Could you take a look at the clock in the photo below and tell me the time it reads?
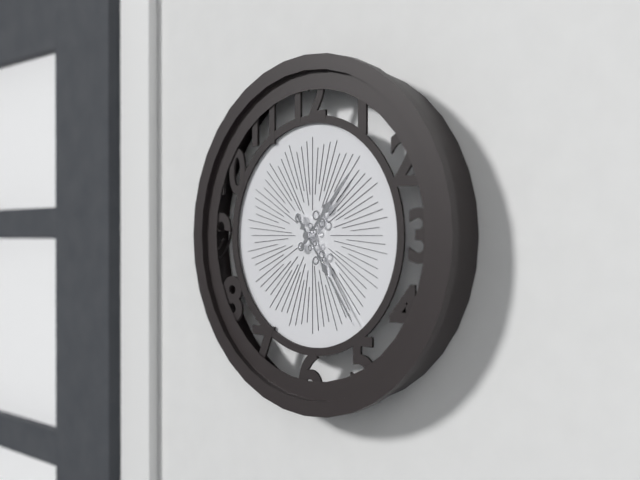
1:24
